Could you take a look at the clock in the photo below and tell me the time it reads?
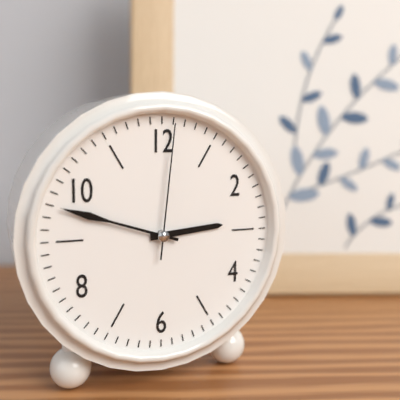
2:48:01
